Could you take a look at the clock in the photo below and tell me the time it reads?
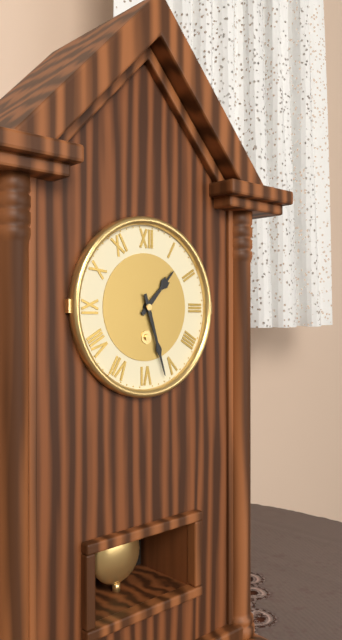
1:27
